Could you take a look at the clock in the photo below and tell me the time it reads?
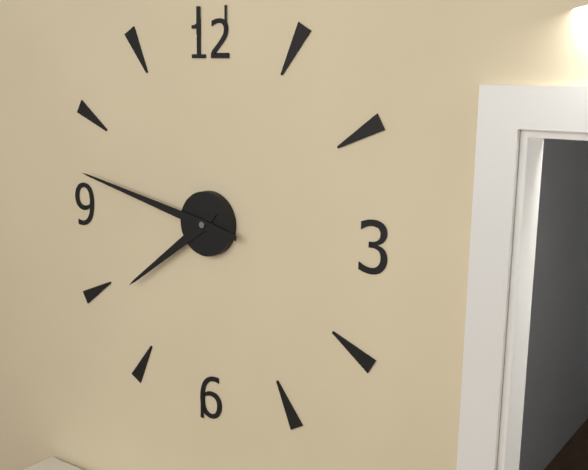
7:47
